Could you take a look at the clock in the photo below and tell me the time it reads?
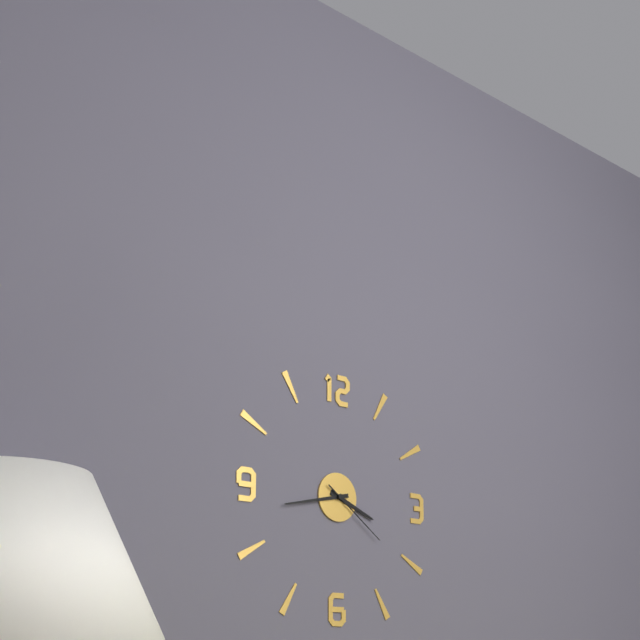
3:43:21
